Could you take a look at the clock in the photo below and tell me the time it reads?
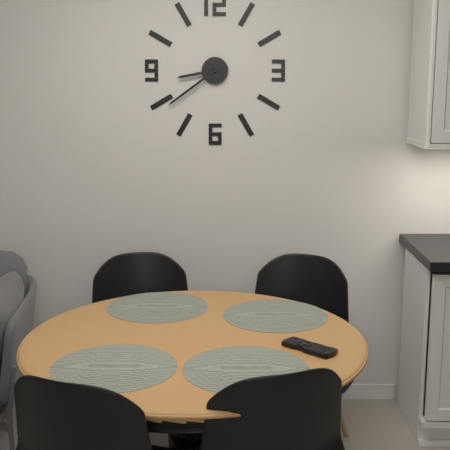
8:39
